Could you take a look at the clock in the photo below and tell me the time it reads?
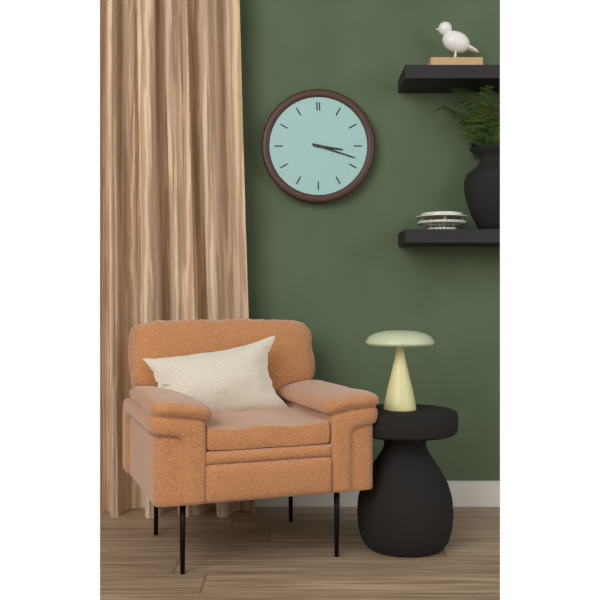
3:18
